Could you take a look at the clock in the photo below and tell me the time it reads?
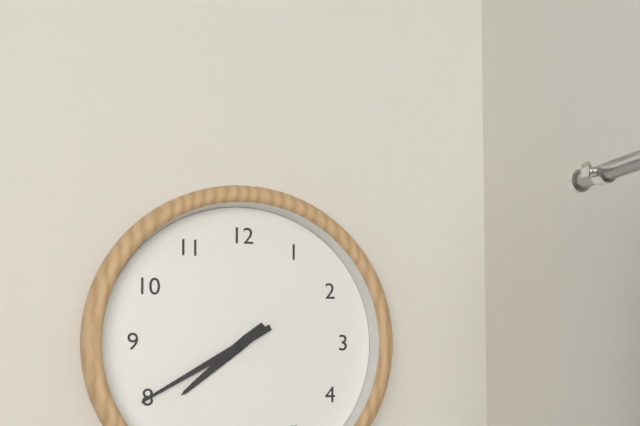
7:40
